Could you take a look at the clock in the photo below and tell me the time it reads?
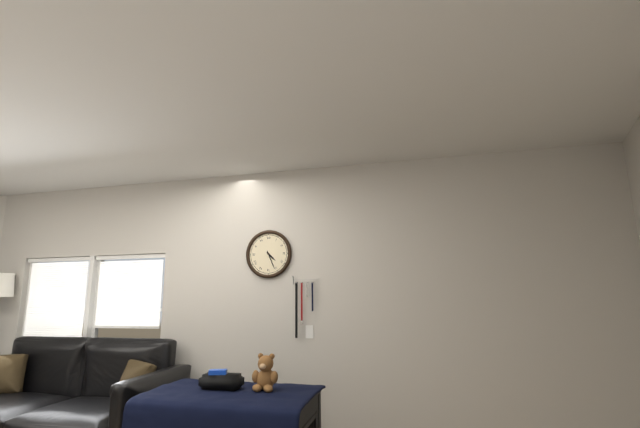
4:26
